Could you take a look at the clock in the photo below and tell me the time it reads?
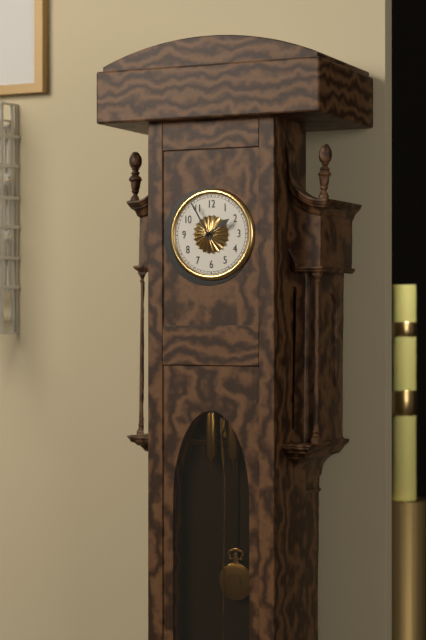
1:55
